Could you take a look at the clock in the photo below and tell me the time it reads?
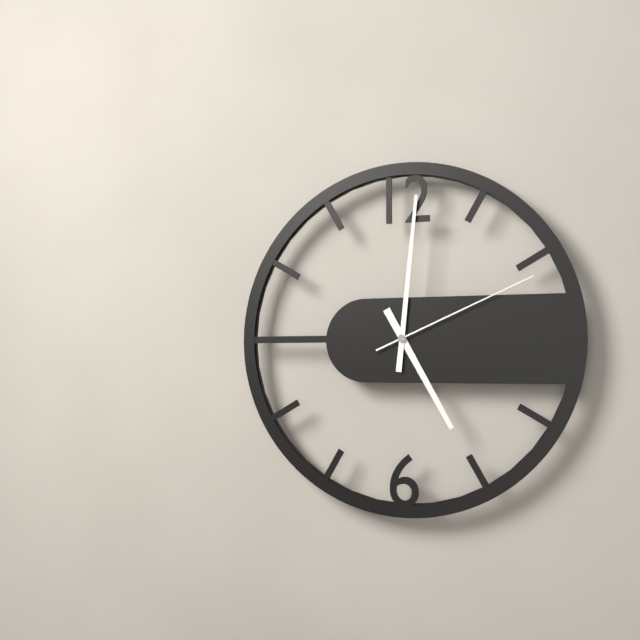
5:01:11
